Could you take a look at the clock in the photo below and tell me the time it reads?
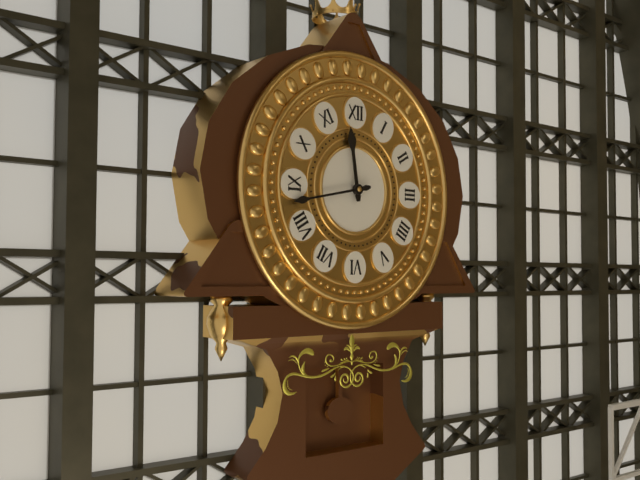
11:43
